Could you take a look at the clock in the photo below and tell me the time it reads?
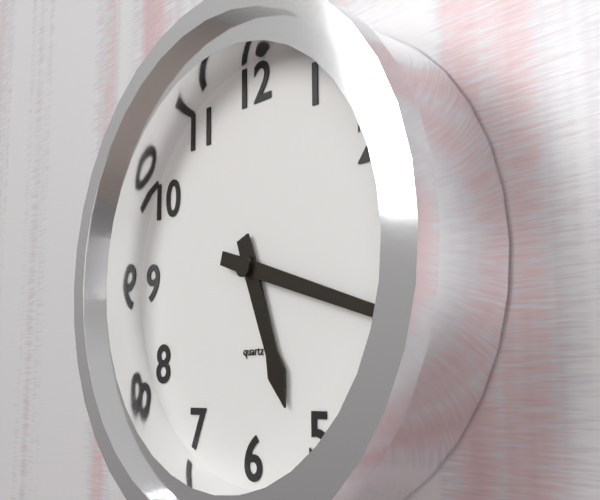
5:18
